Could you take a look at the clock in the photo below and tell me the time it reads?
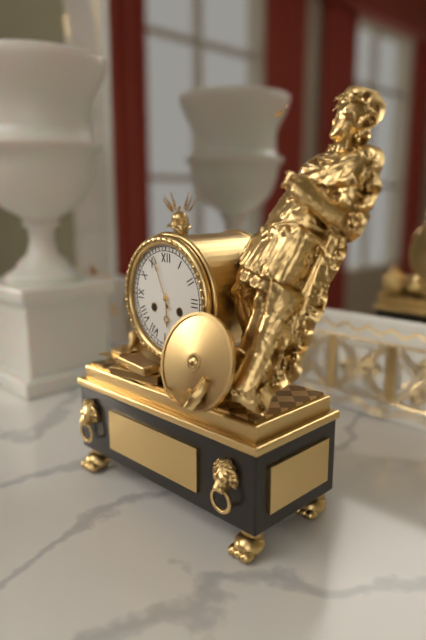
5:56
